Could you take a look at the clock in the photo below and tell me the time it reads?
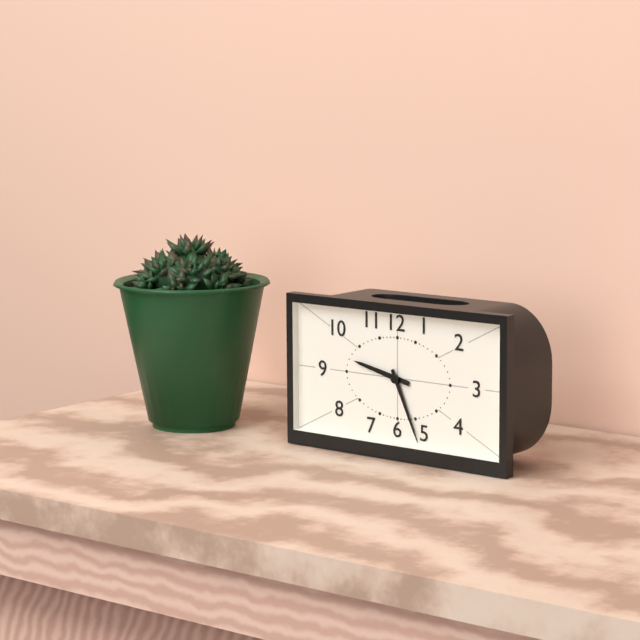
9:26
